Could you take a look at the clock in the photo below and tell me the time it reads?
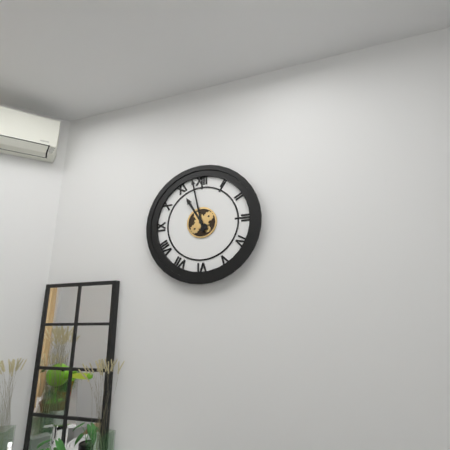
10:58
